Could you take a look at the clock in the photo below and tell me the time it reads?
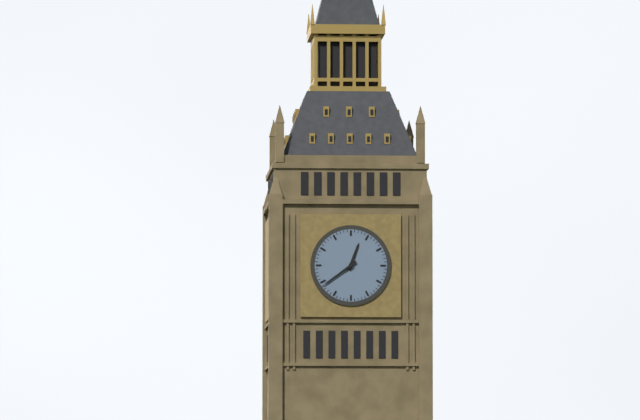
12:39
